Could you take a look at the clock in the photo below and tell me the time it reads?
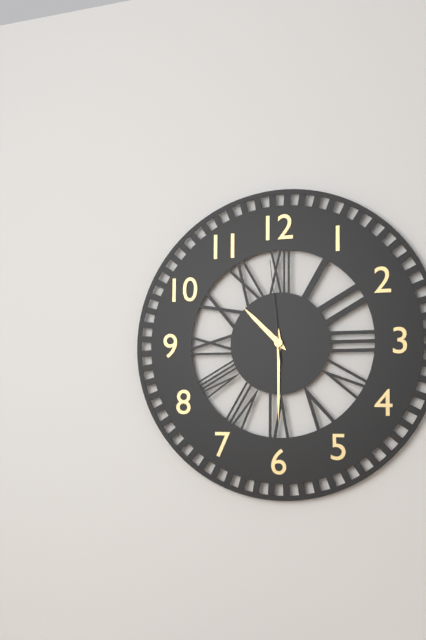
10:30:59
